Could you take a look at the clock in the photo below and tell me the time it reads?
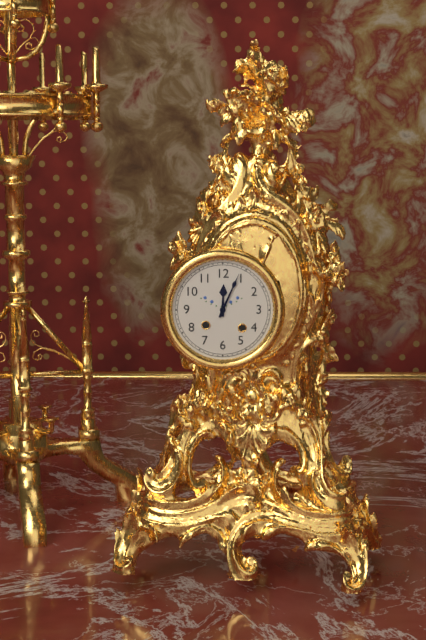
12:04
